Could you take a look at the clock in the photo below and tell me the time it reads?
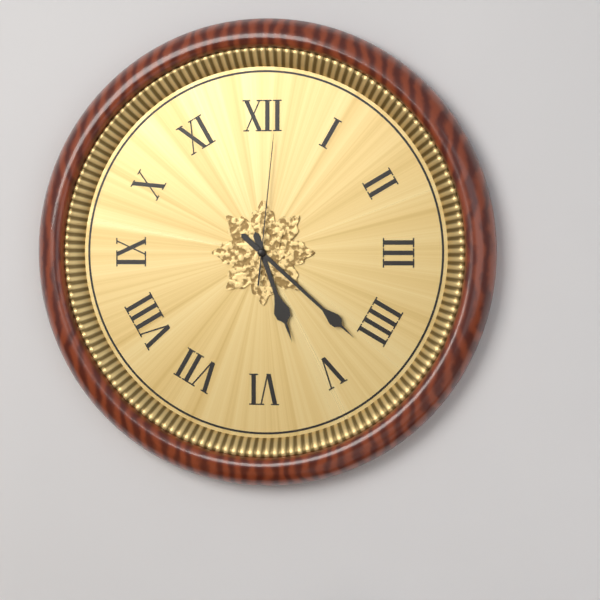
5:22:01
